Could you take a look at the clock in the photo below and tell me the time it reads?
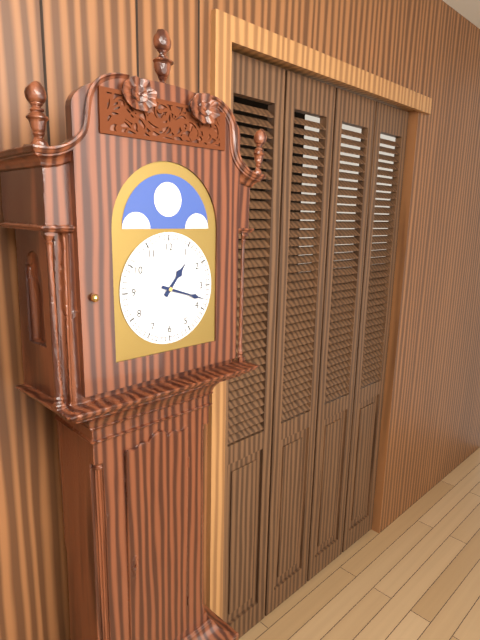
1:18
